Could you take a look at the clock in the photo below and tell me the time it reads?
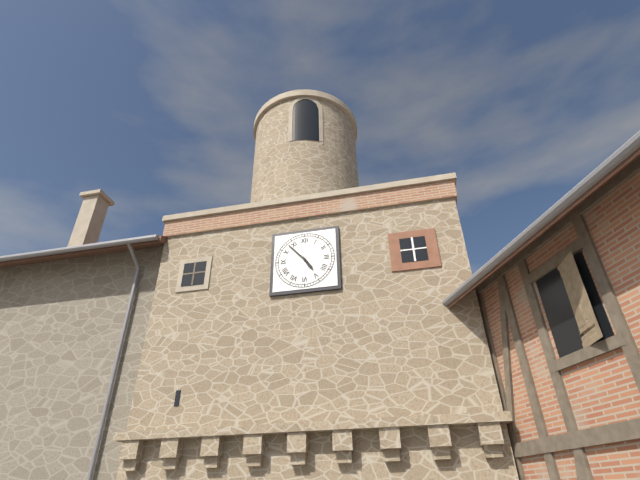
4:53
